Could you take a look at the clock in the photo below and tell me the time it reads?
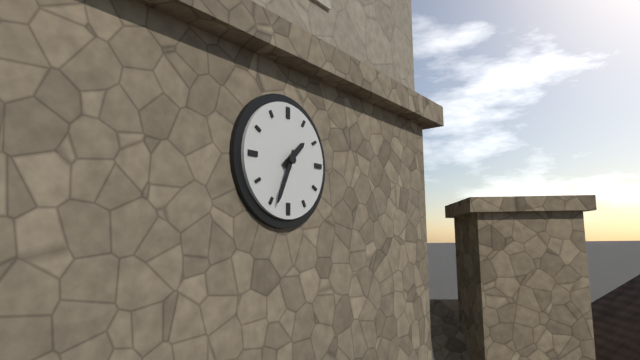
1:34
